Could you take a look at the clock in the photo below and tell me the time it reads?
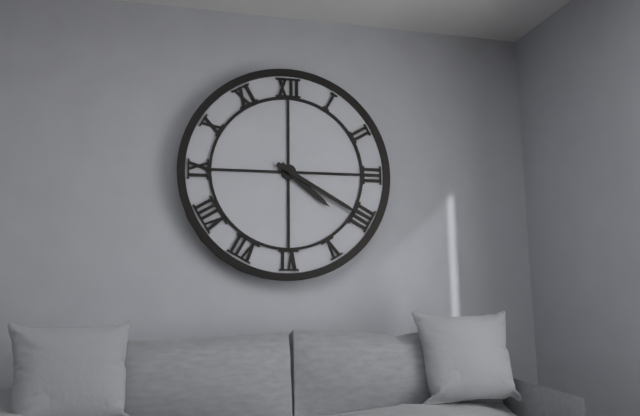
4:20
